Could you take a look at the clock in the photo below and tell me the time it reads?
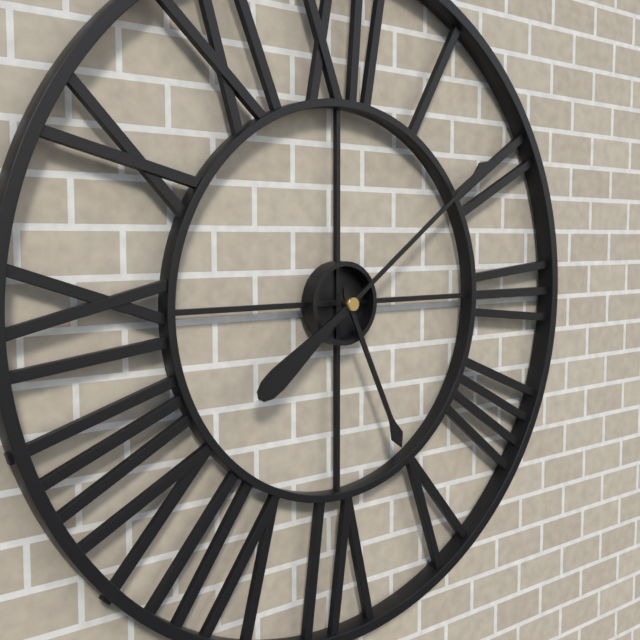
5:09
